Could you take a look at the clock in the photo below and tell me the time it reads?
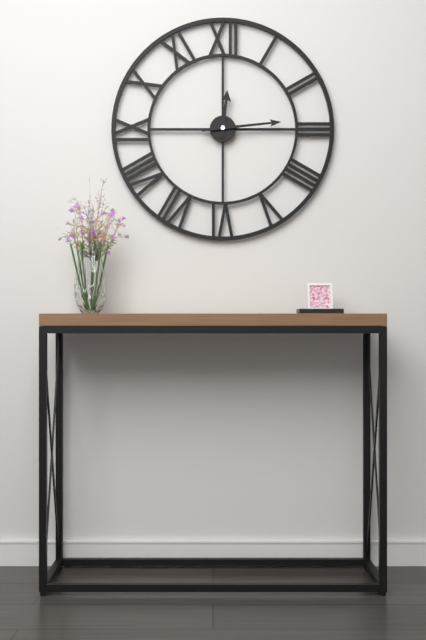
12:14
